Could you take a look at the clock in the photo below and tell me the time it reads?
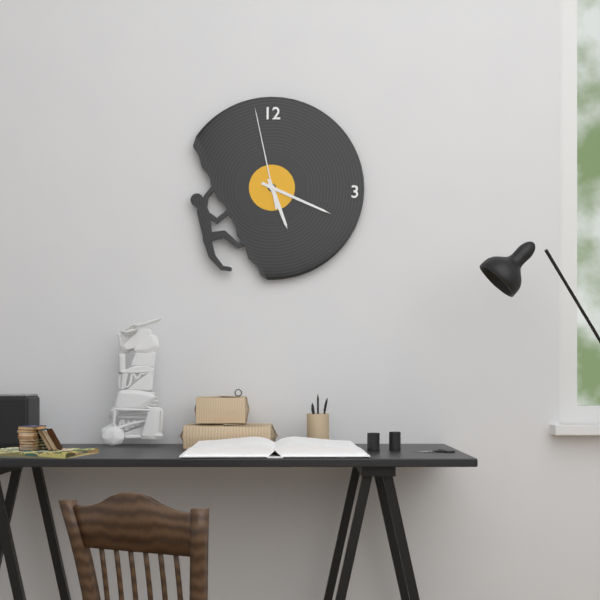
5:19:58
